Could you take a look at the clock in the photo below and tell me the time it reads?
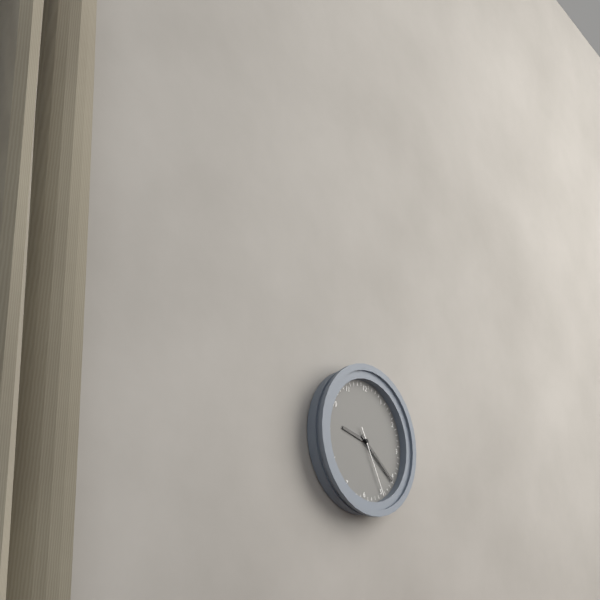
9:21:25
